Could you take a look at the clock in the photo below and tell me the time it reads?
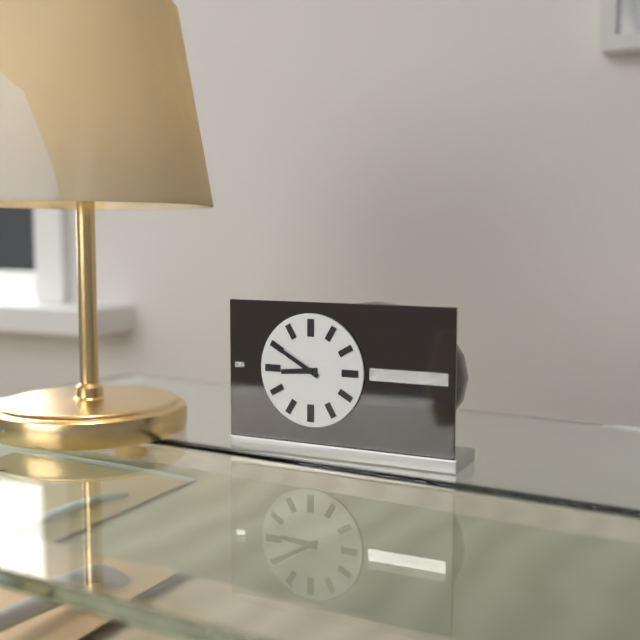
8:50
